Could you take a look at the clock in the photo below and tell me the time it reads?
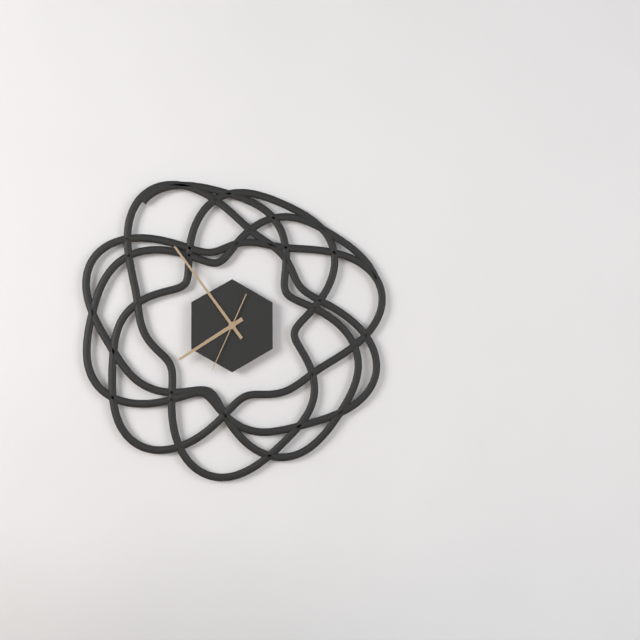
7:54:34
